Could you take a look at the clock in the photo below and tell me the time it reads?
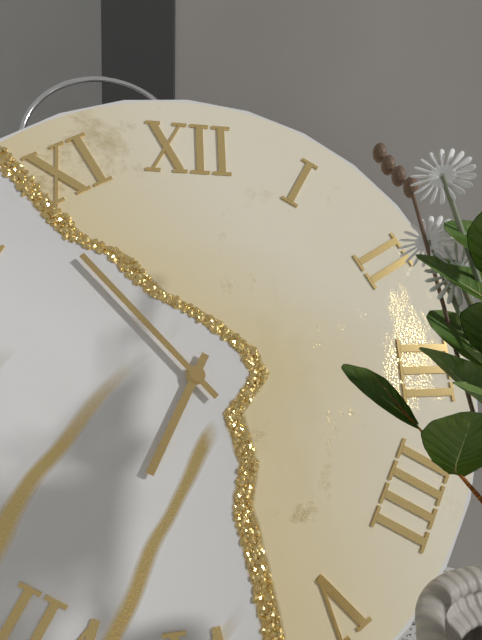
6:53
